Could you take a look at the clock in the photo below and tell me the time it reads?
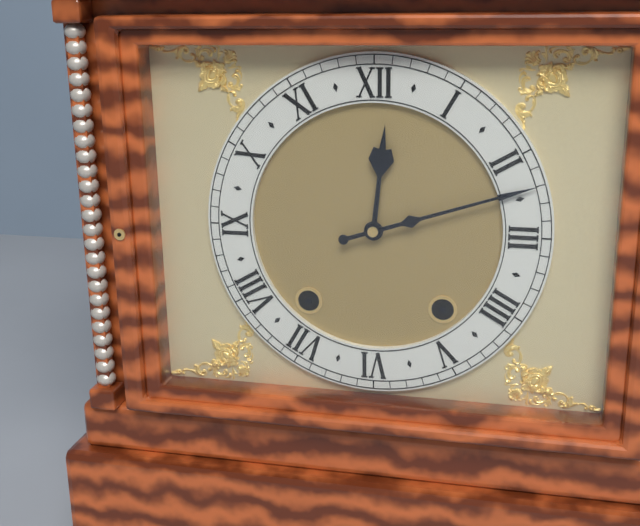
12:12
